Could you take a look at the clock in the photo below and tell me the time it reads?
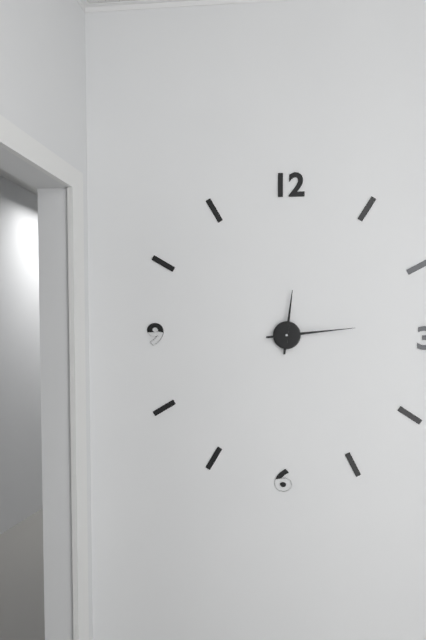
12:14
